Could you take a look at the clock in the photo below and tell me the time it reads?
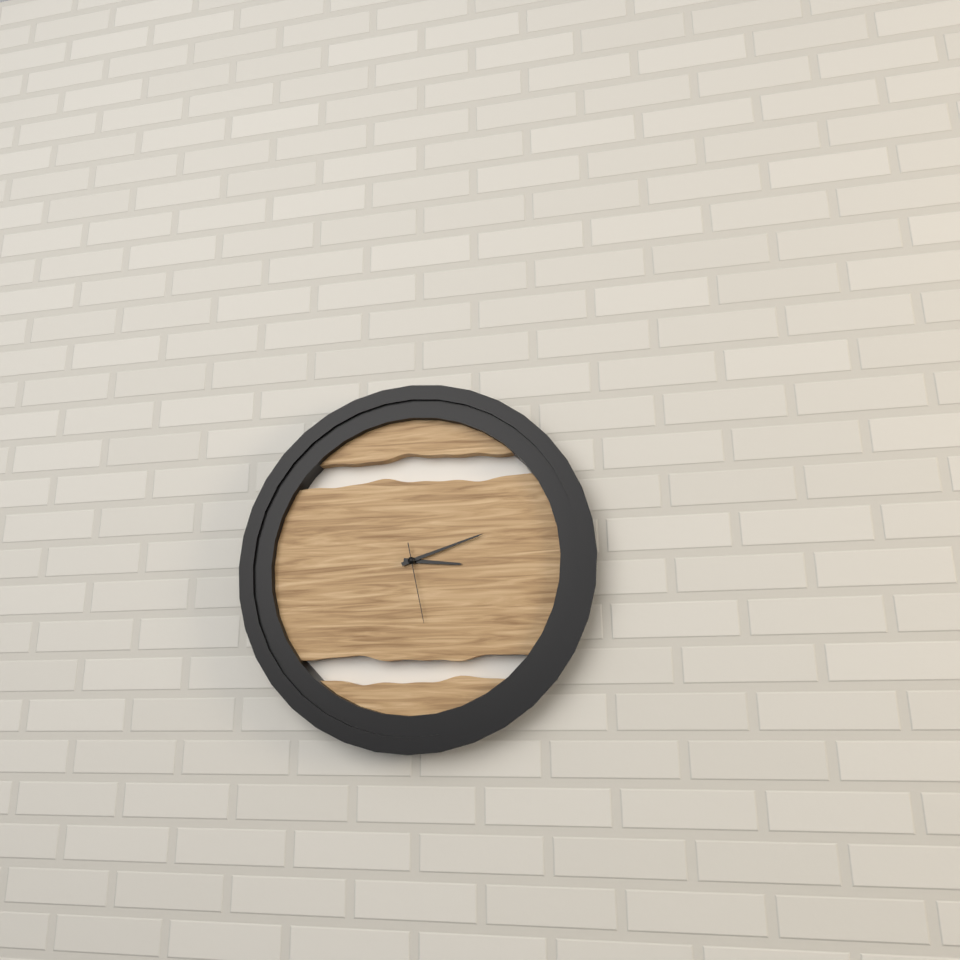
3:12:28
